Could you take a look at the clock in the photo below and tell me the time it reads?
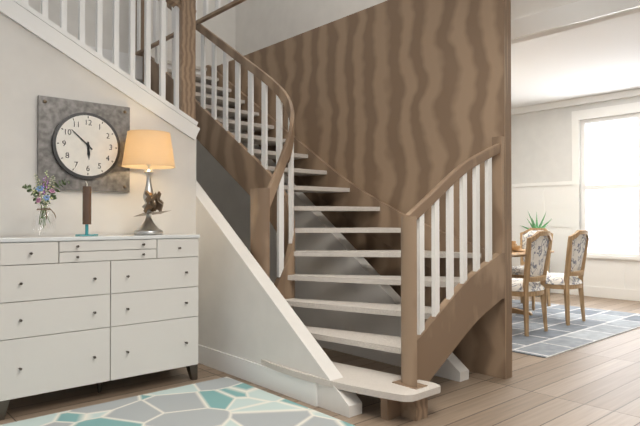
5:52
